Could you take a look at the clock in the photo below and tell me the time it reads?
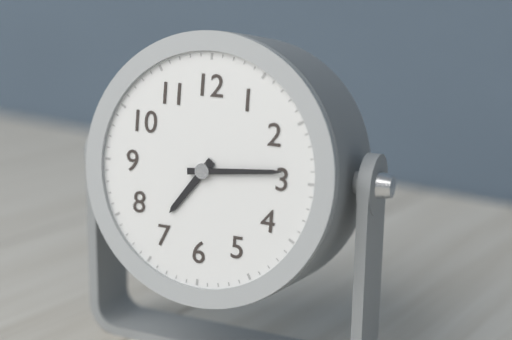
7:14
